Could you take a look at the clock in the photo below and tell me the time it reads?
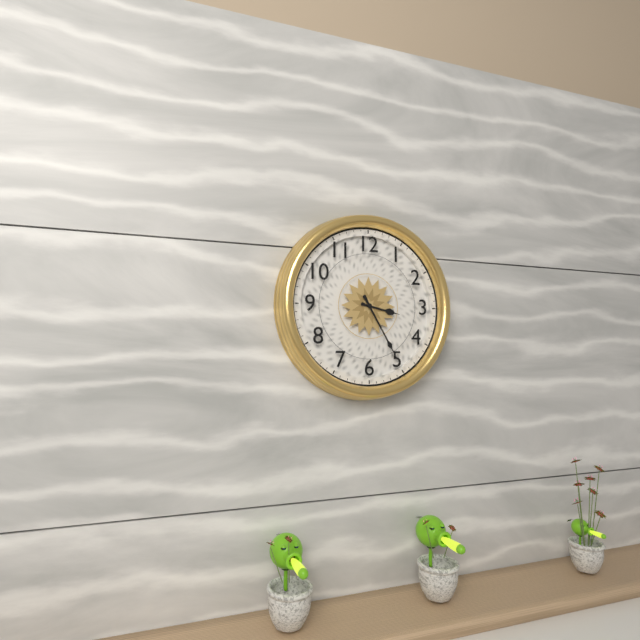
3:25
